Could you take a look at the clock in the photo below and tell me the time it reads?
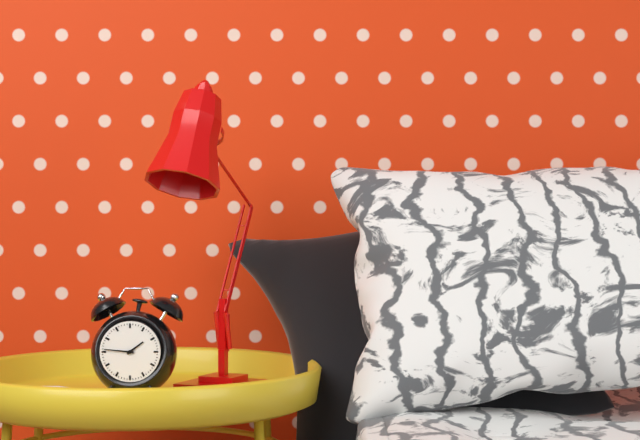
1:46
